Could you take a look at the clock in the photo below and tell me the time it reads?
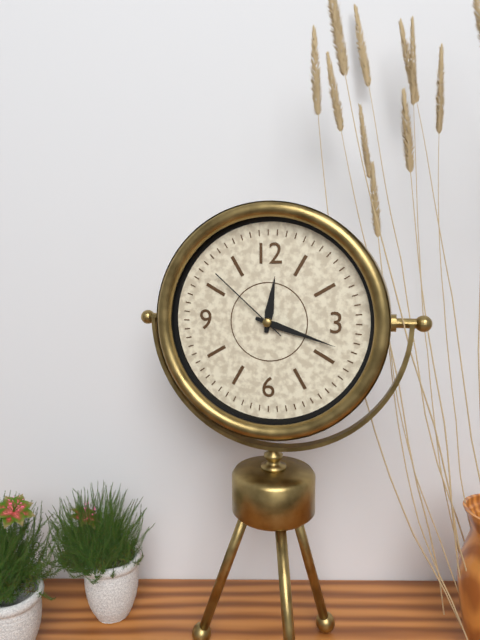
12:18:52
